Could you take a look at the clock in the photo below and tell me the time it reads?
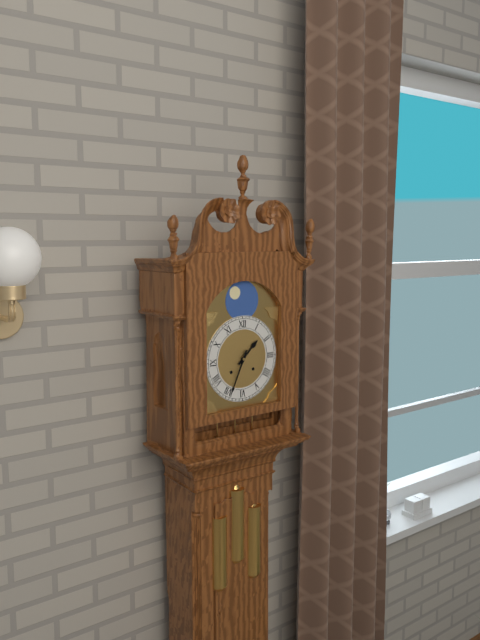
1:34
